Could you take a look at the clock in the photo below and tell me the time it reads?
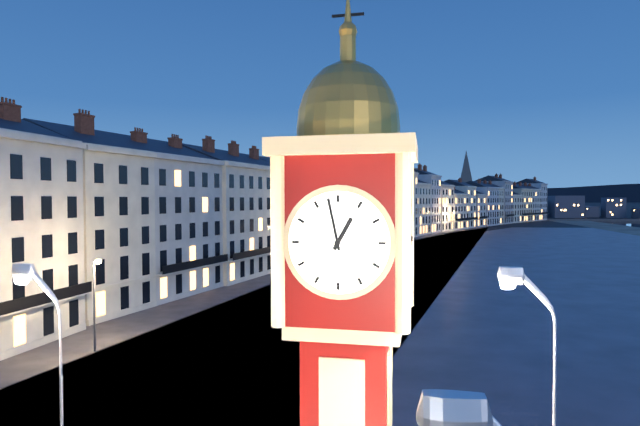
12:58
